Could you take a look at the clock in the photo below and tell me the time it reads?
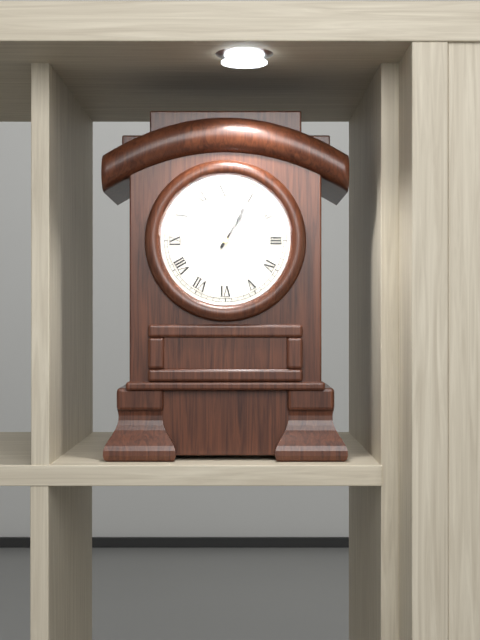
1:05
